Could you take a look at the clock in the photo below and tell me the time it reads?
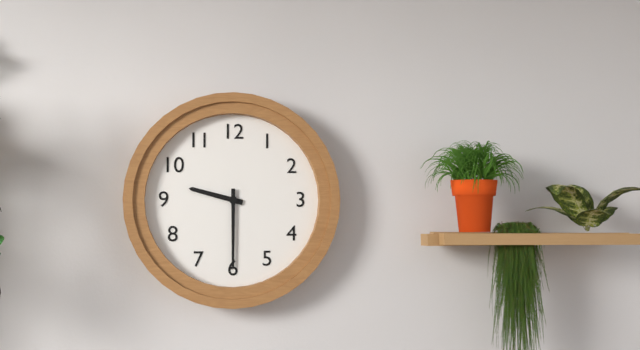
9:30
